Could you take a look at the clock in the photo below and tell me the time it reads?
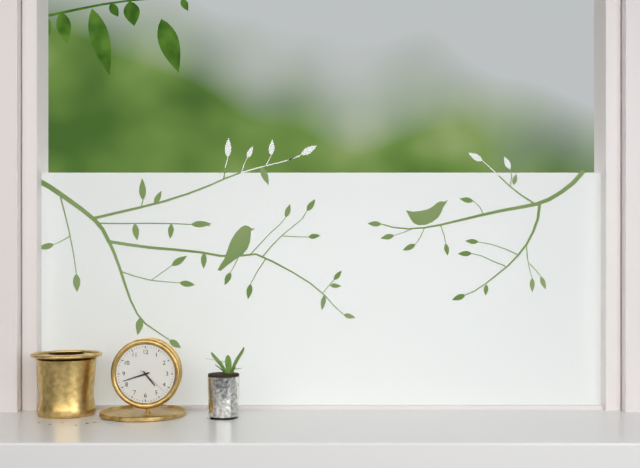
4:42
